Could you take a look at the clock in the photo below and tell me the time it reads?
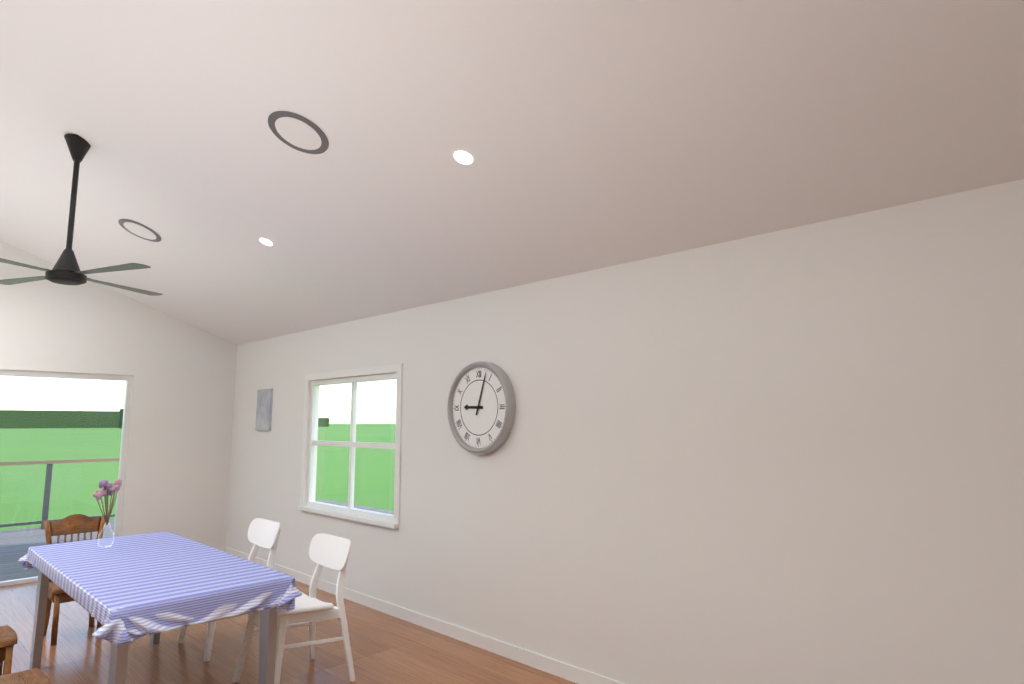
9:03
